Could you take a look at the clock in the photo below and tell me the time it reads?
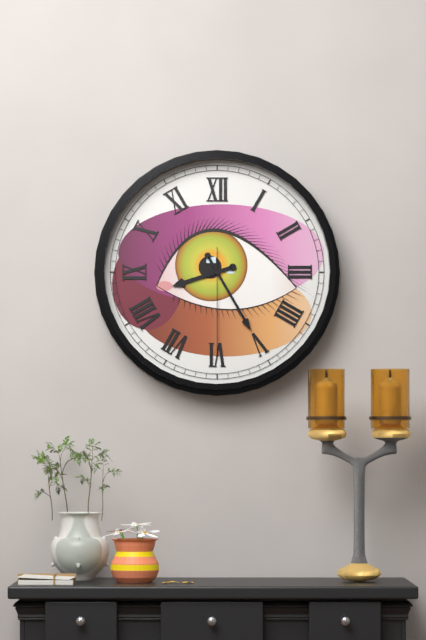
8:25:30
